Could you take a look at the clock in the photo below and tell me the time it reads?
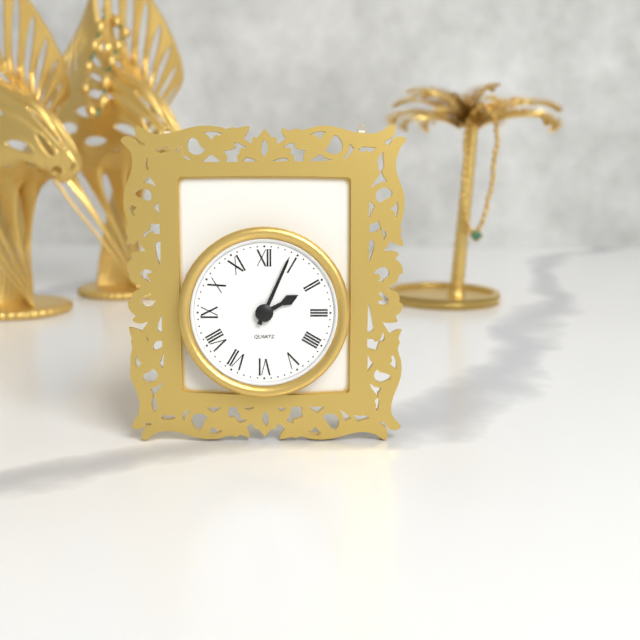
2:04
